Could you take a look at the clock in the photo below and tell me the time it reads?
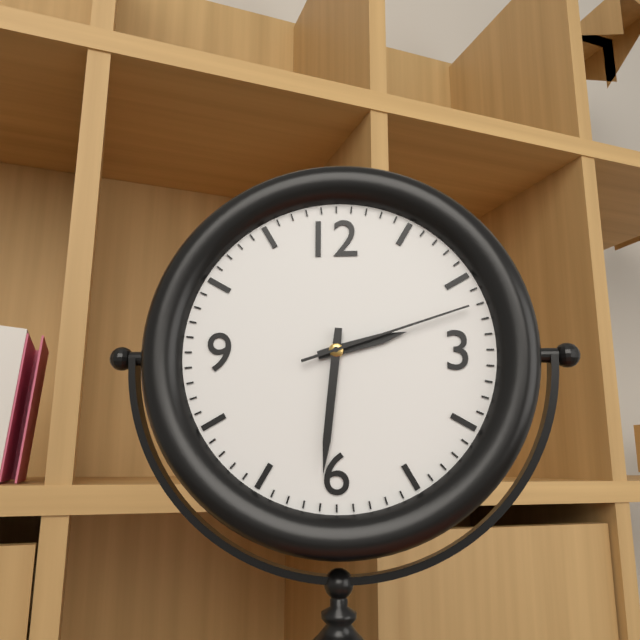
2:31:12
